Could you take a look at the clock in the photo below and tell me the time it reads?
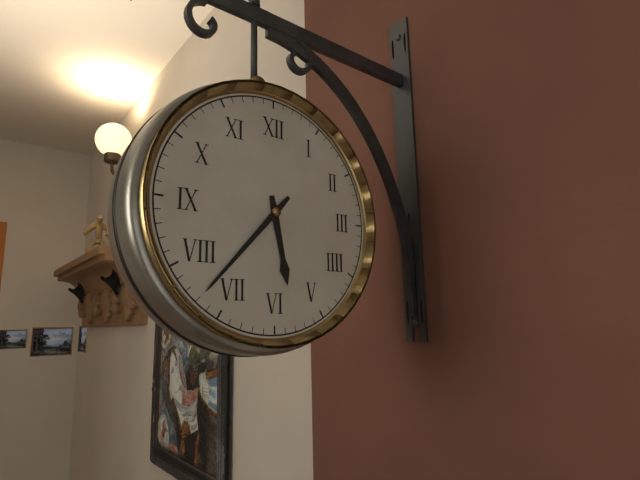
5:37
